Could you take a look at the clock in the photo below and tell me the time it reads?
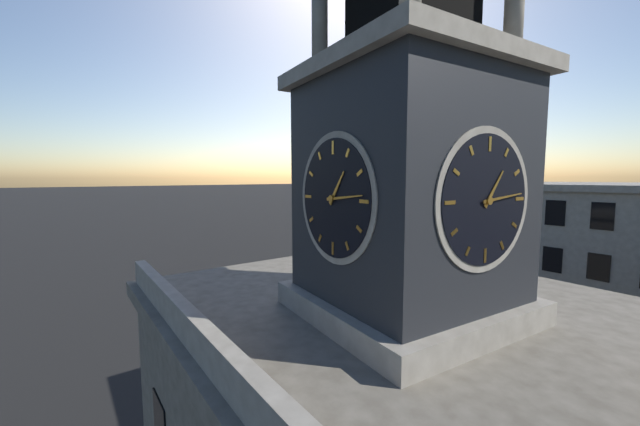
1:14
